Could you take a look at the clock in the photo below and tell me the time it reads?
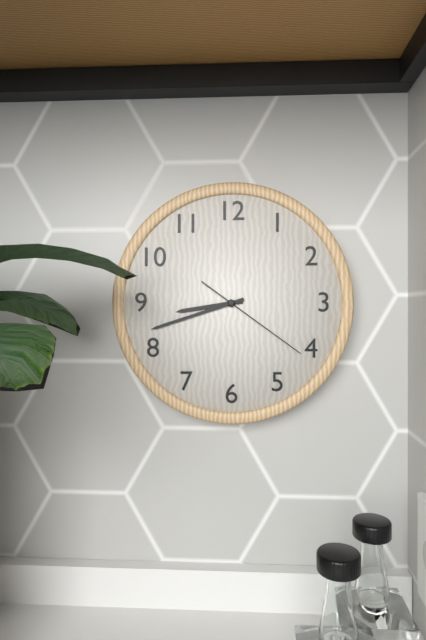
8:42:21
